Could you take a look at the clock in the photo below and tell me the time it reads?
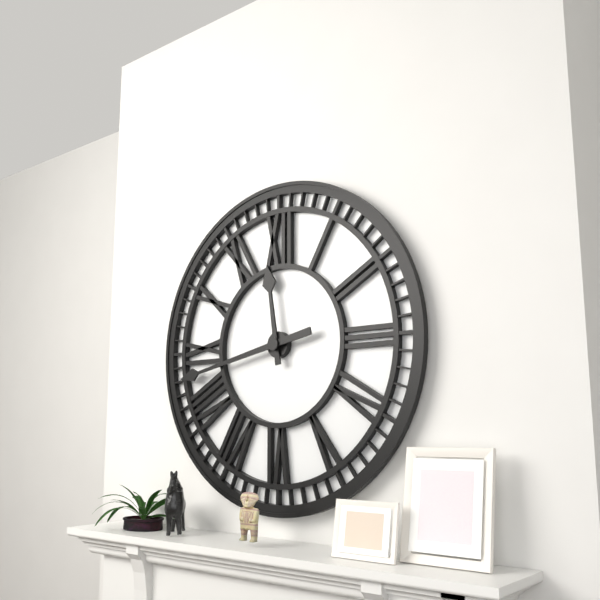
11:43
